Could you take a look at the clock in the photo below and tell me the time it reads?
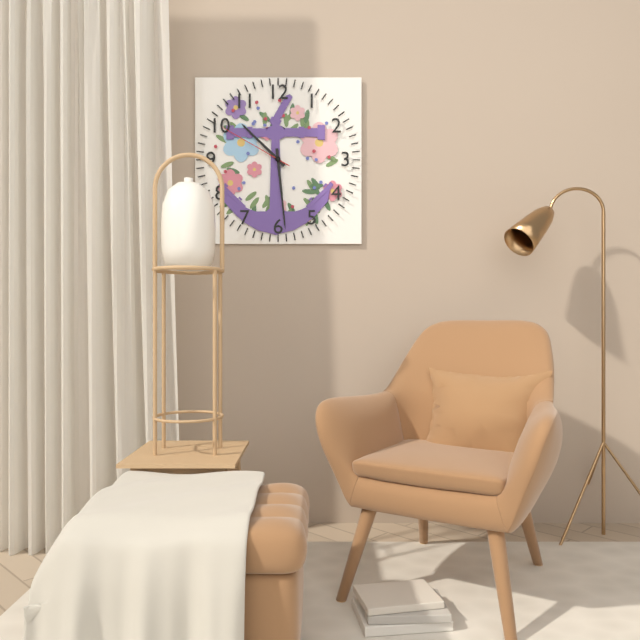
10:29:50
